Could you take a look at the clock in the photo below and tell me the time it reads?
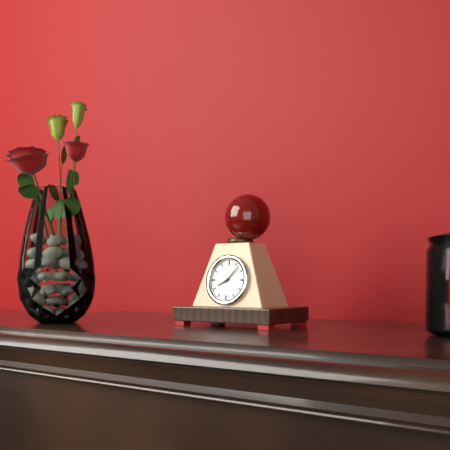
8:07
